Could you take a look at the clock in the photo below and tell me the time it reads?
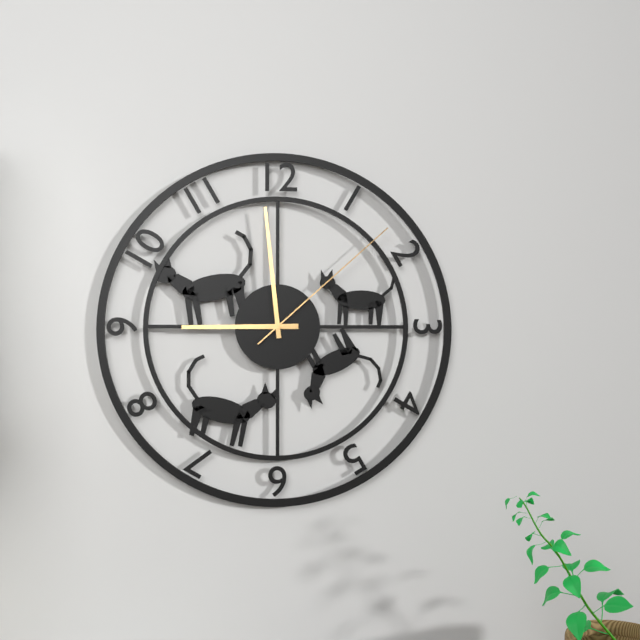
8:59:08
